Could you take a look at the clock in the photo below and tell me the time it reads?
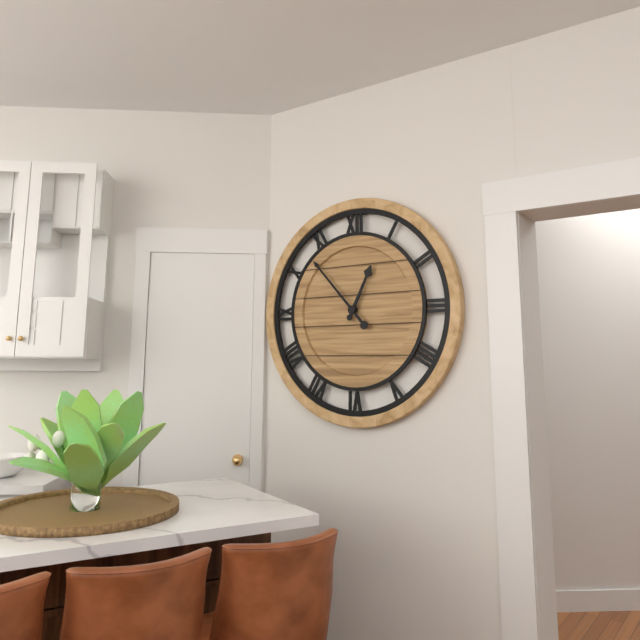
12:53
